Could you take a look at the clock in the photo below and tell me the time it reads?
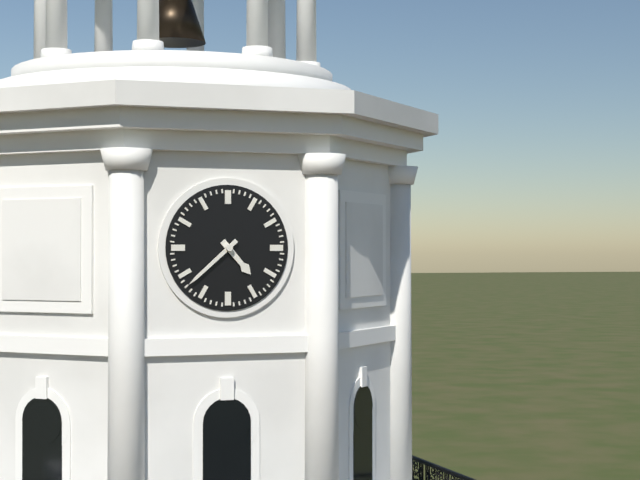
4:38
